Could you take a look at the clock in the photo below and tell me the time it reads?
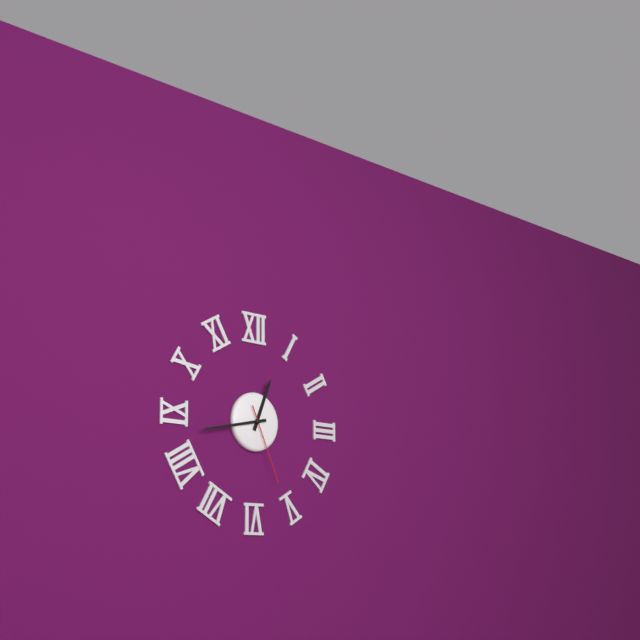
12:43:26
